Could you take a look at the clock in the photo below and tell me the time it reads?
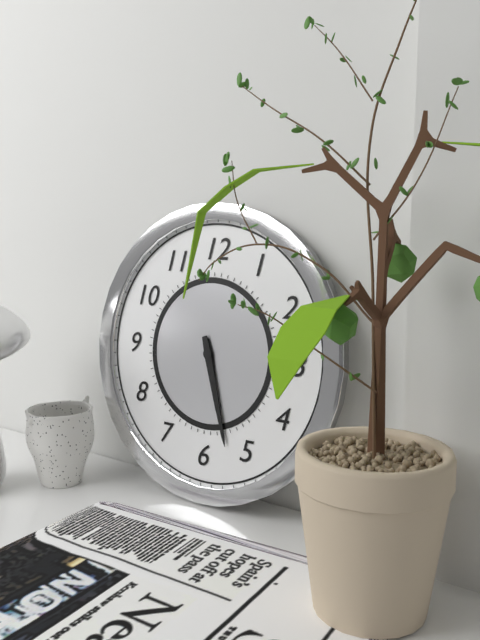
5:27
